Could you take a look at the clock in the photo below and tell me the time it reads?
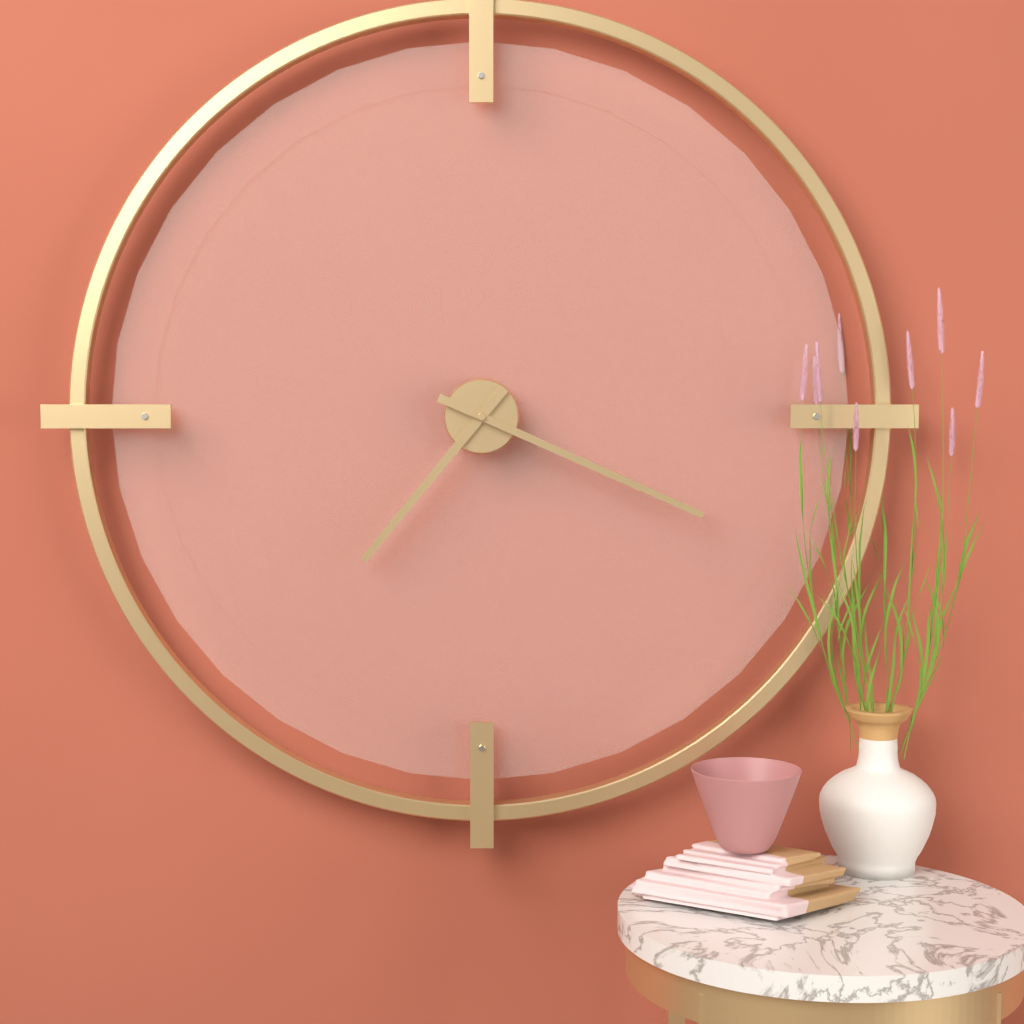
7:19
